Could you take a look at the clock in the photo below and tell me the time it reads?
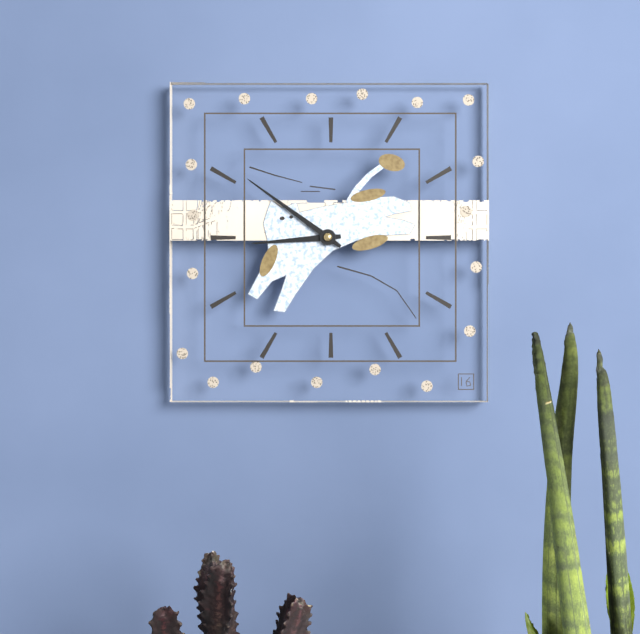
8:51
